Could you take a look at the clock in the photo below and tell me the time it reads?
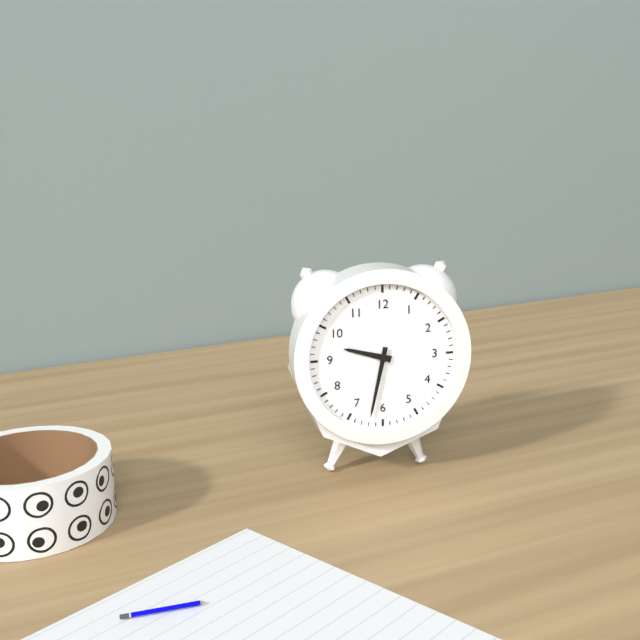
9:32
